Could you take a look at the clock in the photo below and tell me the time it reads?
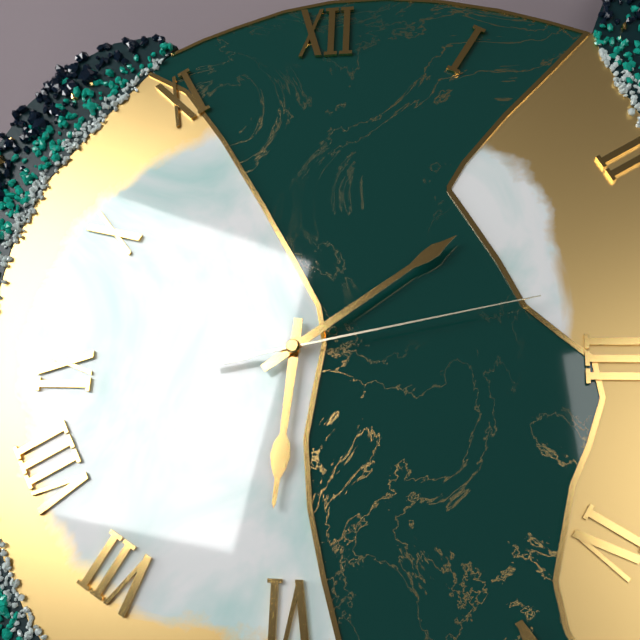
6:09:13
